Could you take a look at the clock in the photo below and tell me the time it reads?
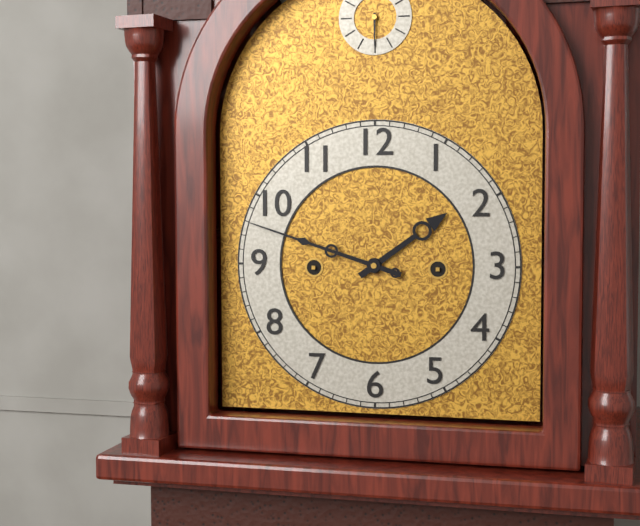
1:48
